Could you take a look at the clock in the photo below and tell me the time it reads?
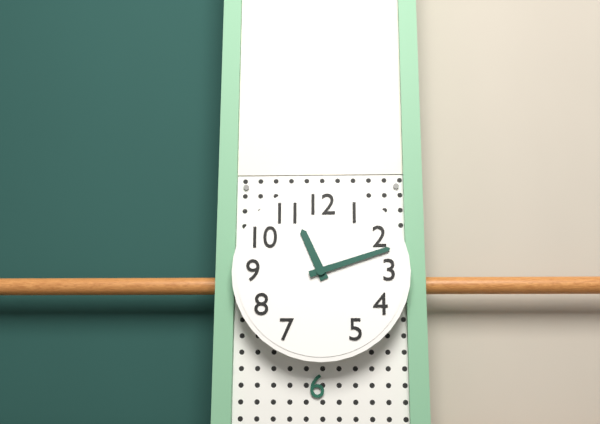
11:12
